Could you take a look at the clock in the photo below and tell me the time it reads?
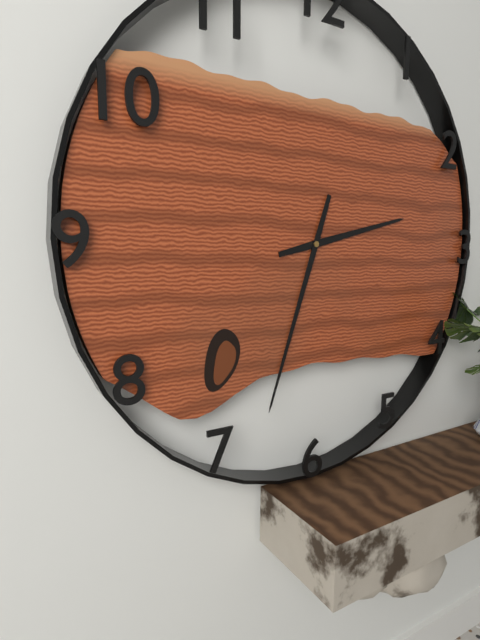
2:33
